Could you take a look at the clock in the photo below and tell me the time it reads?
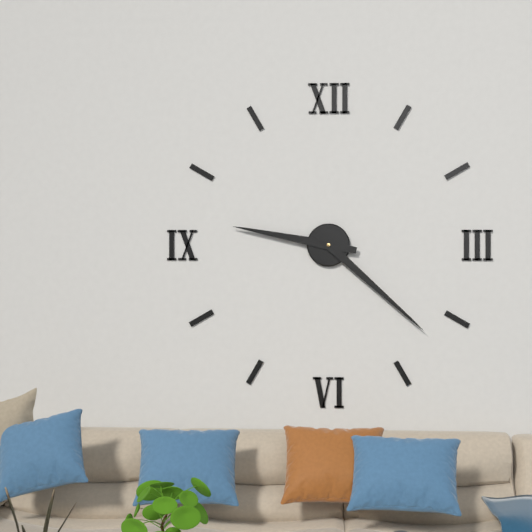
9:22
